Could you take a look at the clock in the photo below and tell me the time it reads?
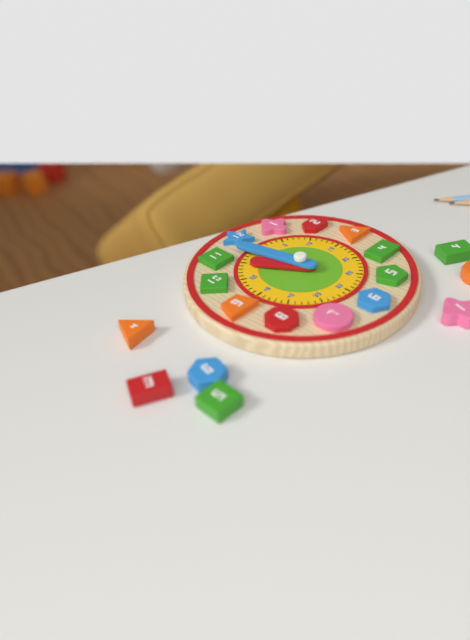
10:58
